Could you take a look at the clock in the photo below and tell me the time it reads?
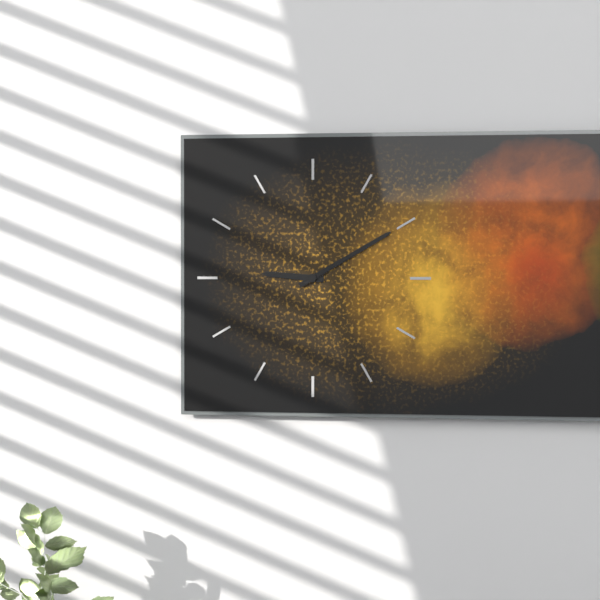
9:10
